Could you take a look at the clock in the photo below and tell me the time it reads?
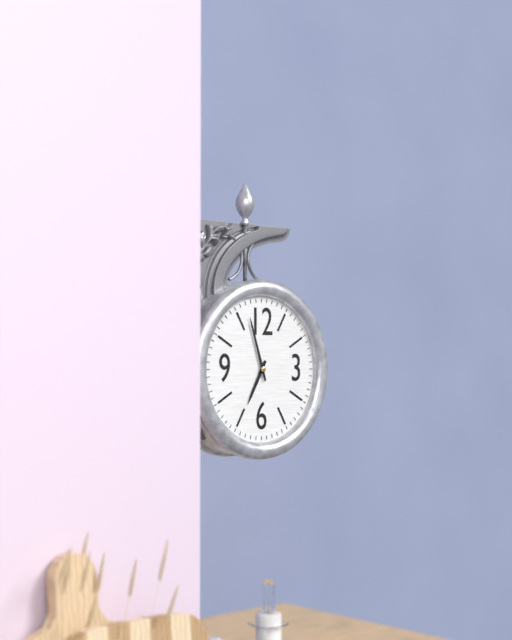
6:57
